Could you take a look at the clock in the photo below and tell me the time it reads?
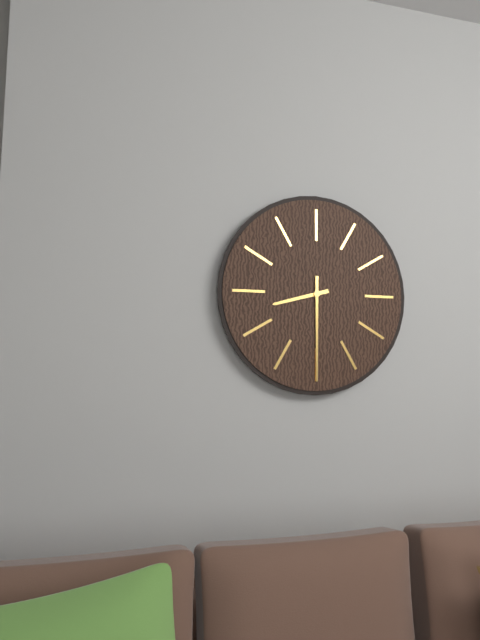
8:30
